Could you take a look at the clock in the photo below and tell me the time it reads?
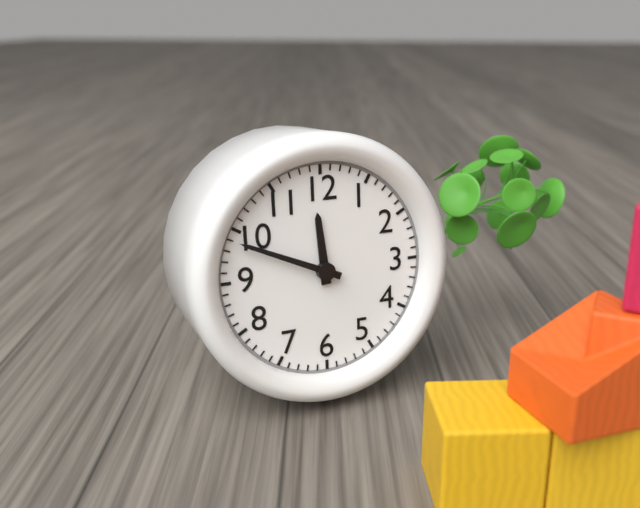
11:49
